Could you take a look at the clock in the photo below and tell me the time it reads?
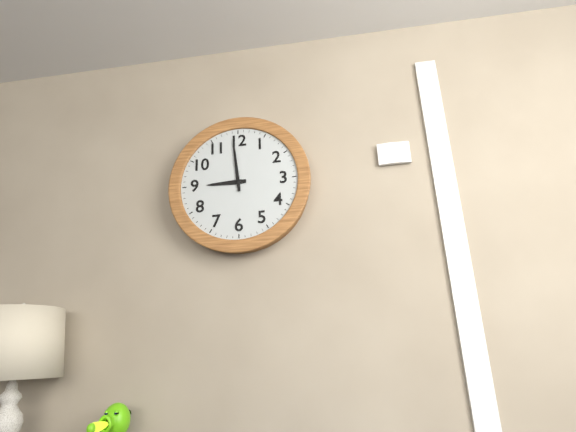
8:59
